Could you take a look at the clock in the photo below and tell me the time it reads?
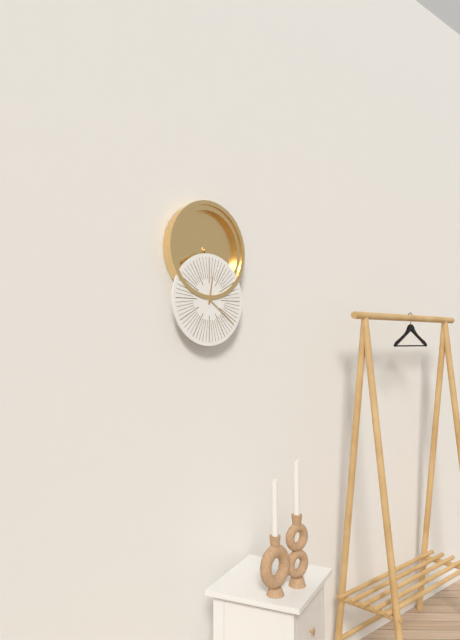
12:21
